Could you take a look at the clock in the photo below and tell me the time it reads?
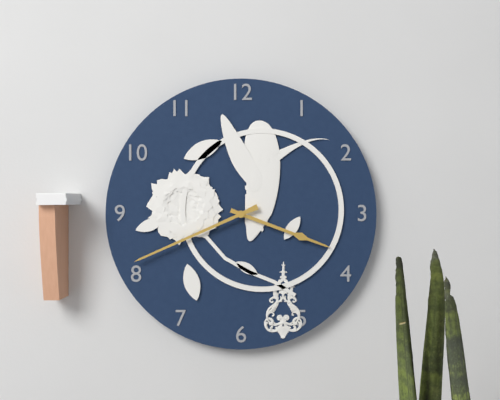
3:41
